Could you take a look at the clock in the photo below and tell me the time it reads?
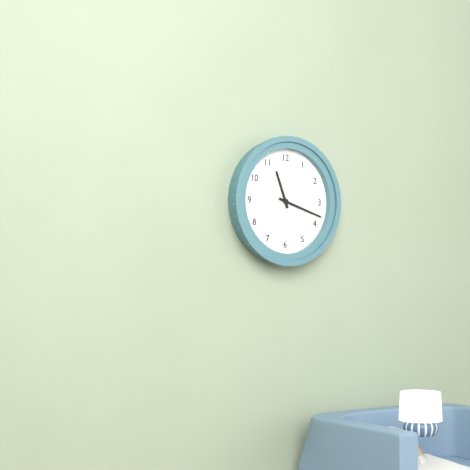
11:18
